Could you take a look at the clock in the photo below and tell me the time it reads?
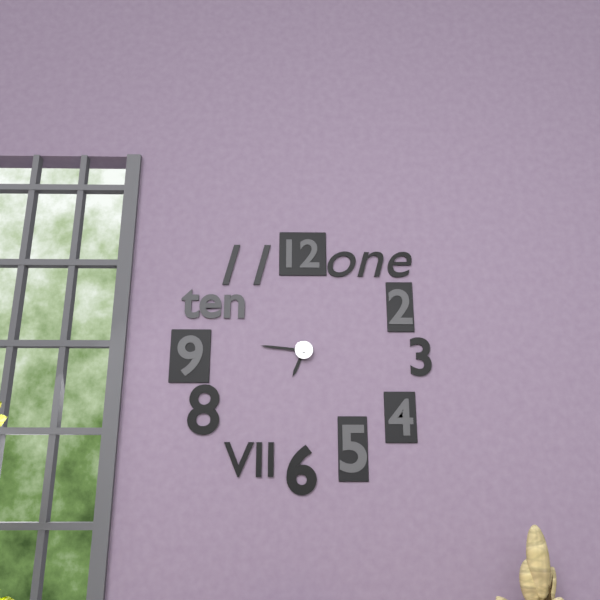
6:46
